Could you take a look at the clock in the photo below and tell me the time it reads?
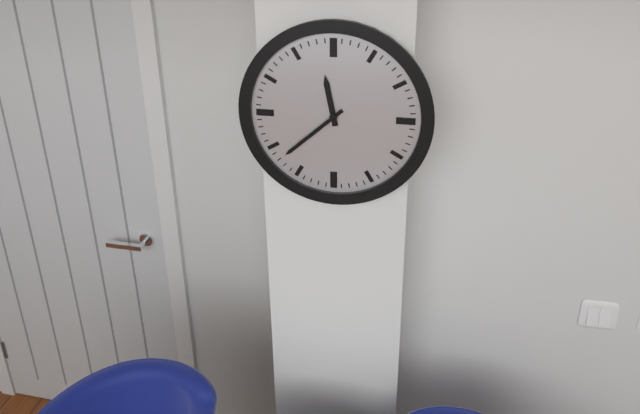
11:38
